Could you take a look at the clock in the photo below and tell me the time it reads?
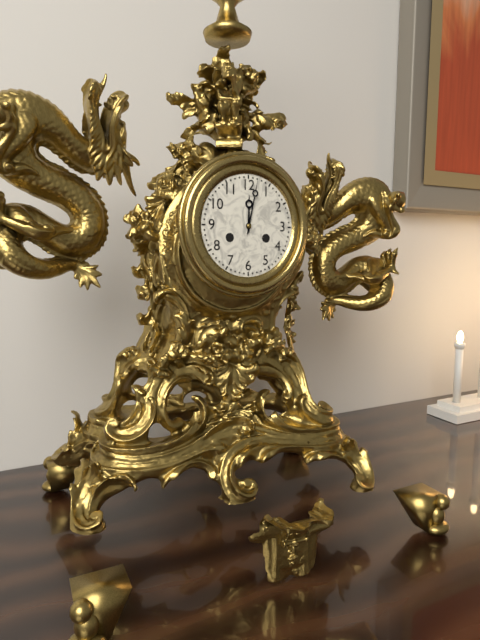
12:02
